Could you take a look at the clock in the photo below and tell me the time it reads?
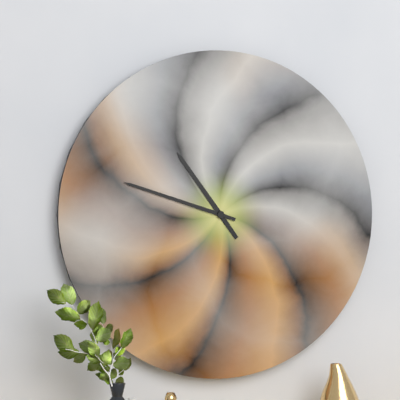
10:48
